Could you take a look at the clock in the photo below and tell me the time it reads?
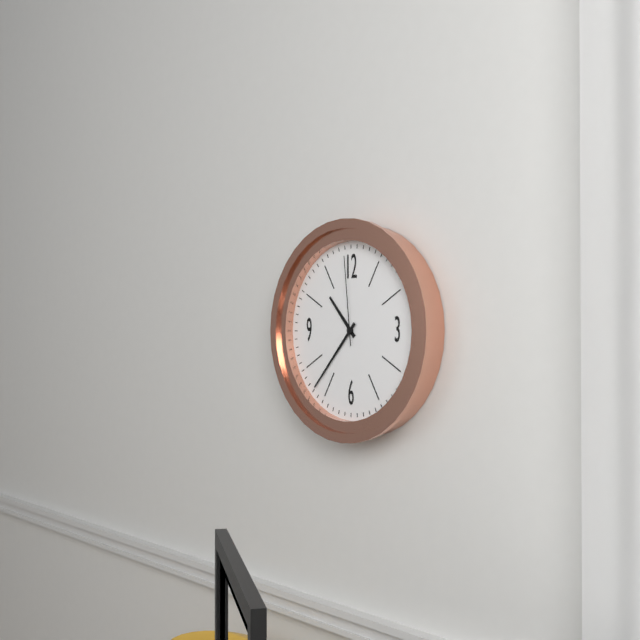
10:37:59
